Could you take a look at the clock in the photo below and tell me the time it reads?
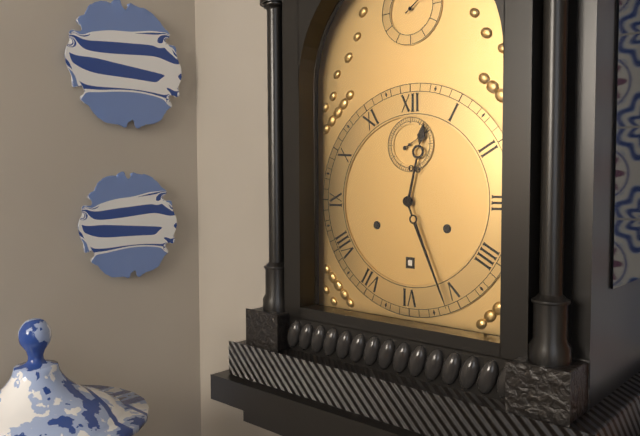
12:26
